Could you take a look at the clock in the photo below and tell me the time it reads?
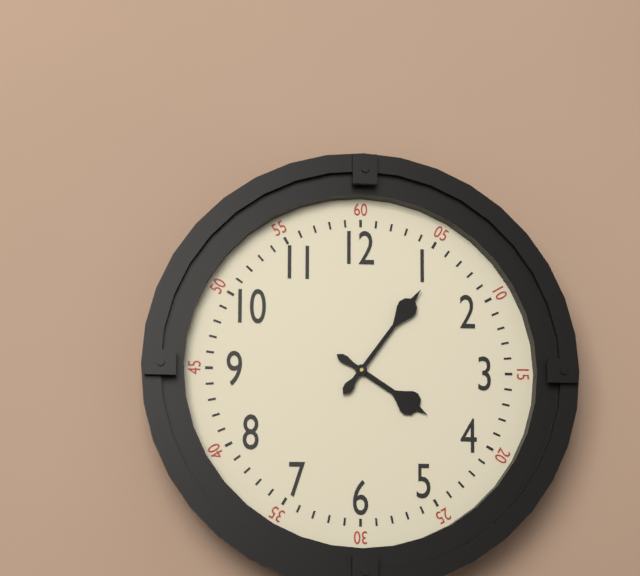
4:06
